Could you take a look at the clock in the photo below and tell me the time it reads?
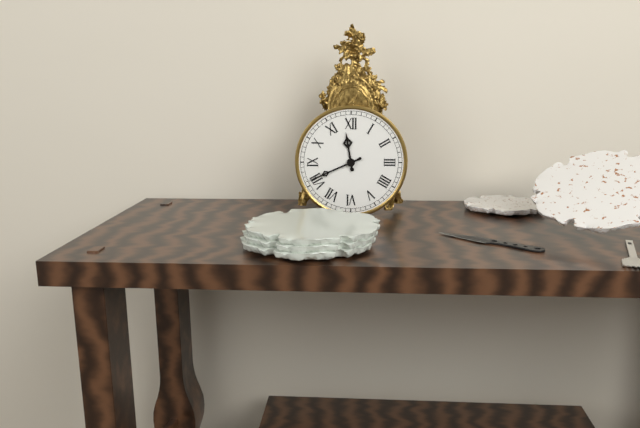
11:41
